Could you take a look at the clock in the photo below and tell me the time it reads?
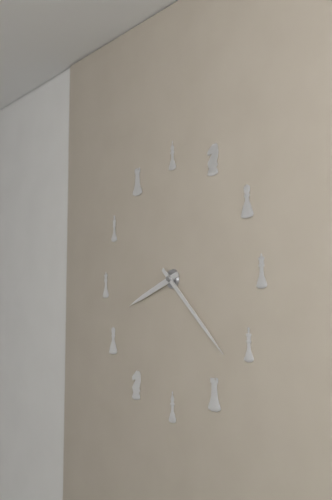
8:22
